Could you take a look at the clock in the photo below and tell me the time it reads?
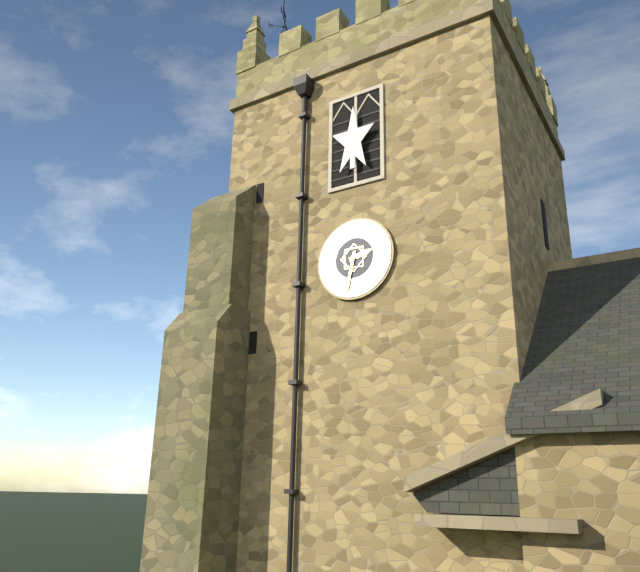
2:32
